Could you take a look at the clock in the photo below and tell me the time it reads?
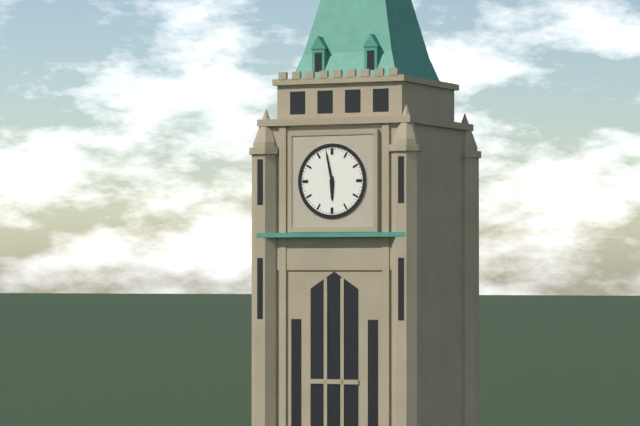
5:58
